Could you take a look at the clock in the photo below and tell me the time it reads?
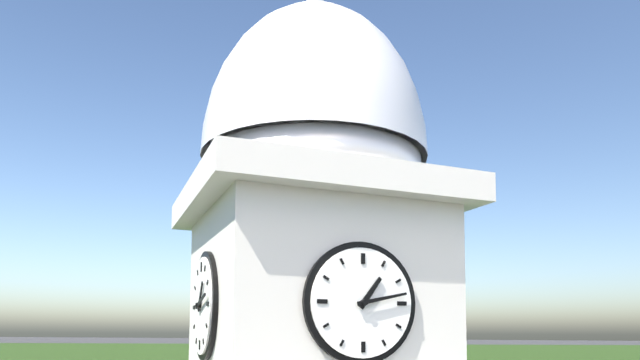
1:13
